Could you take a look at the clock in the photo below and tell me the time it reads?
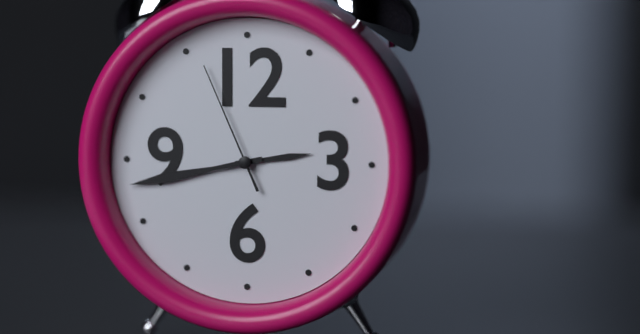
2:43:56
